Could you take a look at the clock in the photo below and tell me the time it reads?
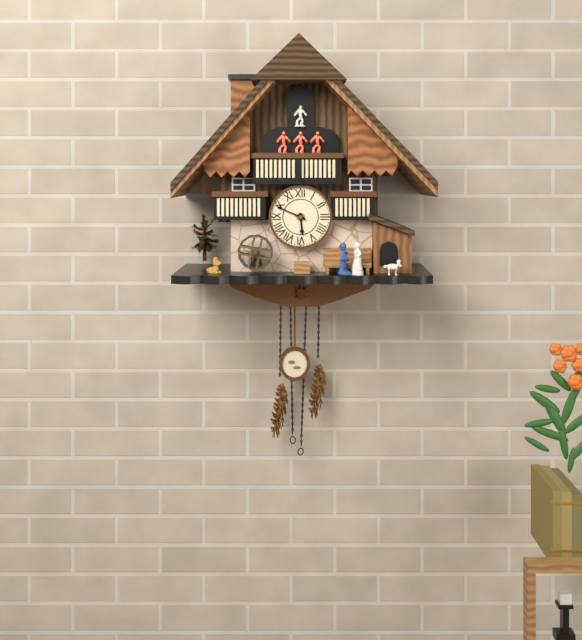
5:49
